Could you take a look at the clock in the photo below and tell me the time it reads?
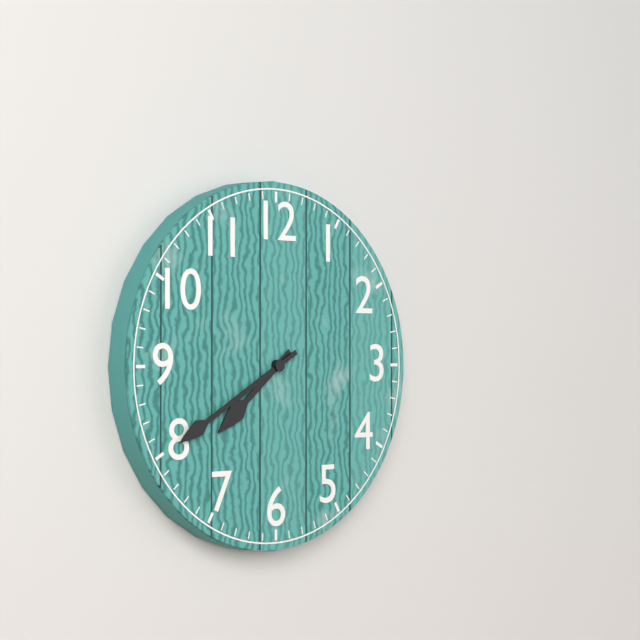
7:40
